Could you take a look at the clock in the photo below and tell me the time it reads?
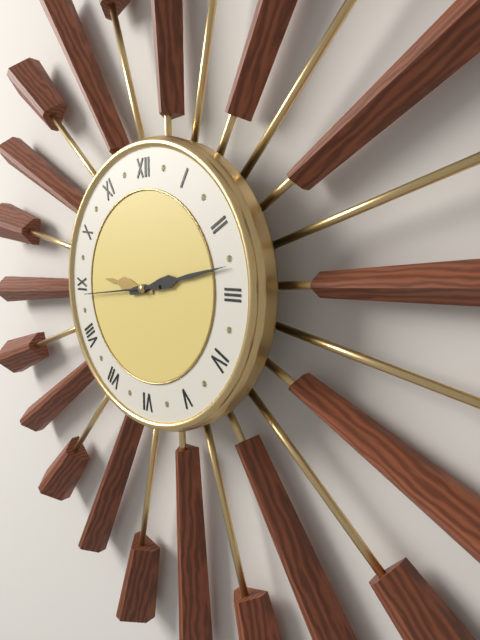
9:13:44
